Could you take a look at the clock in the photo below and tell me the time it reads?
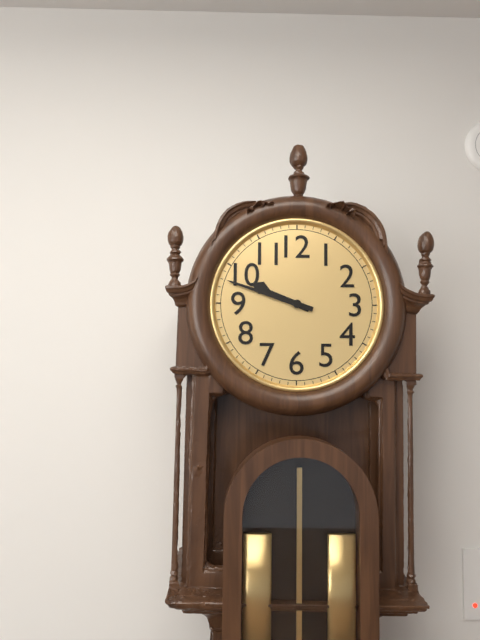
9:48
